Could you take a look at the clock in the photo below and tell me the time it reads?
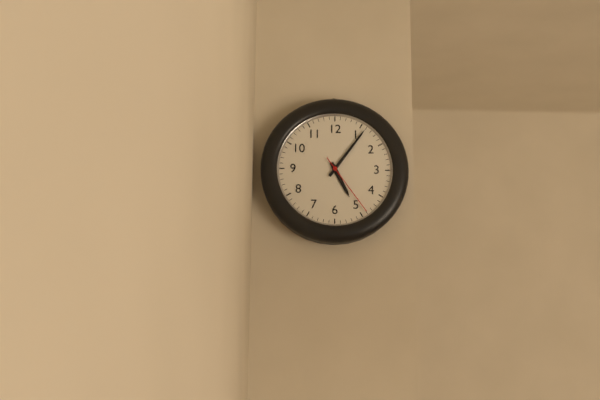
5:06:24
